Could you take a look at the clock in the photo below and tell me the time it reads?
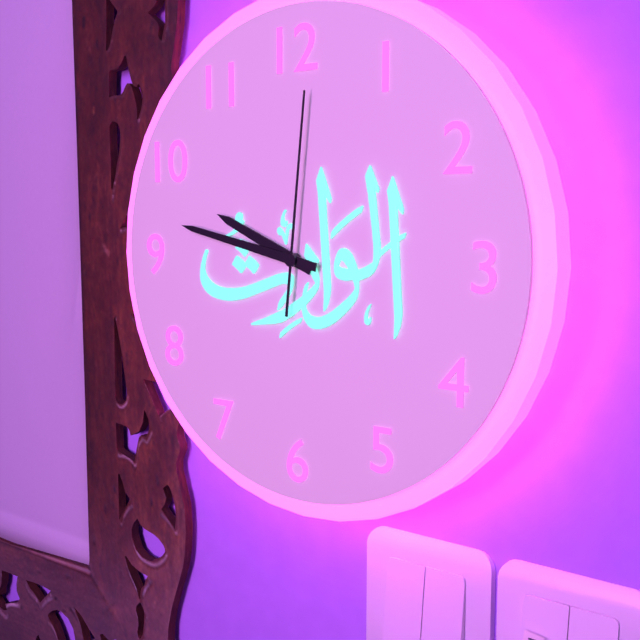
9:47:01
